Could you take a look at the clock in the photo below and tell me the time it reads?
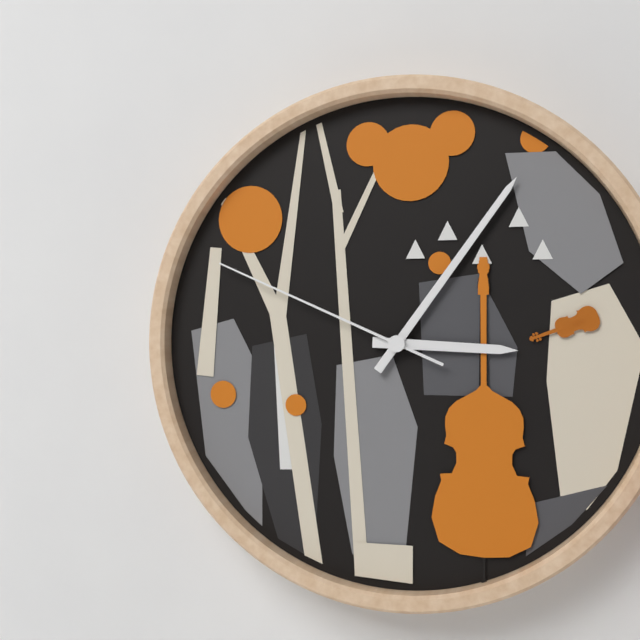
3:06:49
